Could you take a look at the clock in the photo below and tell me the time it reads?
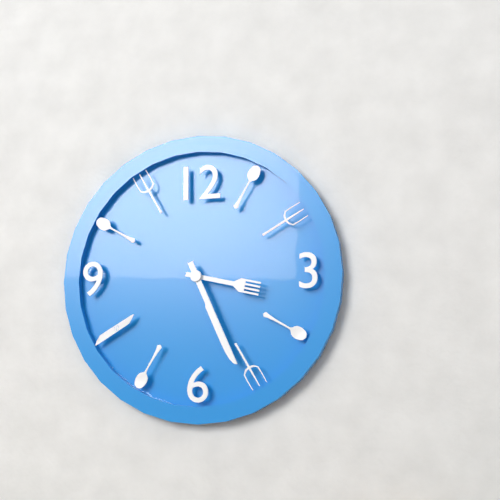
3:26
